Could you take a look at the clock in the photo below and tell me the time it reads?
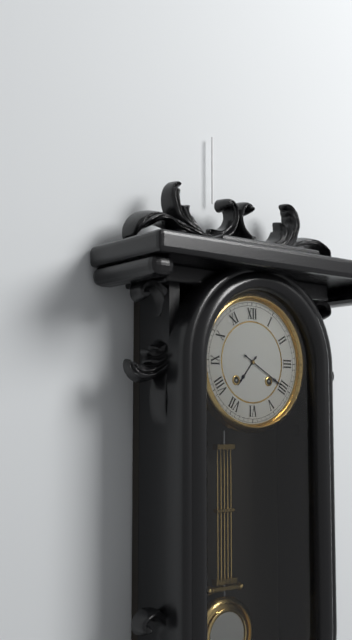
7:20
